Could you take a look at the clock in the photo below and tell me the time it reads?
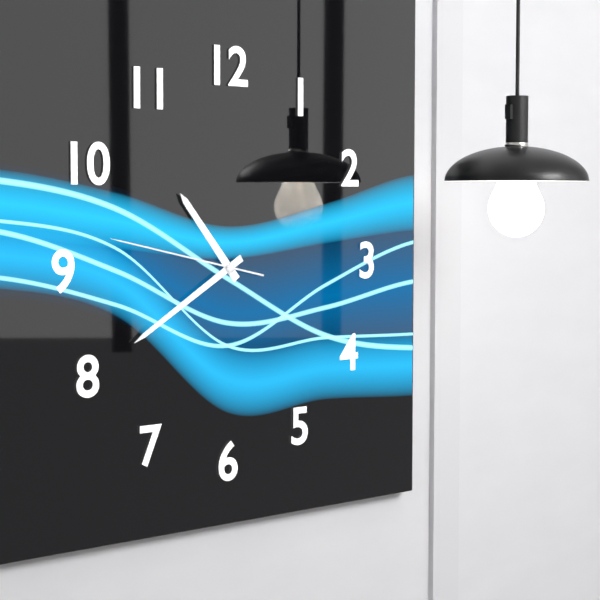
10:40:47
